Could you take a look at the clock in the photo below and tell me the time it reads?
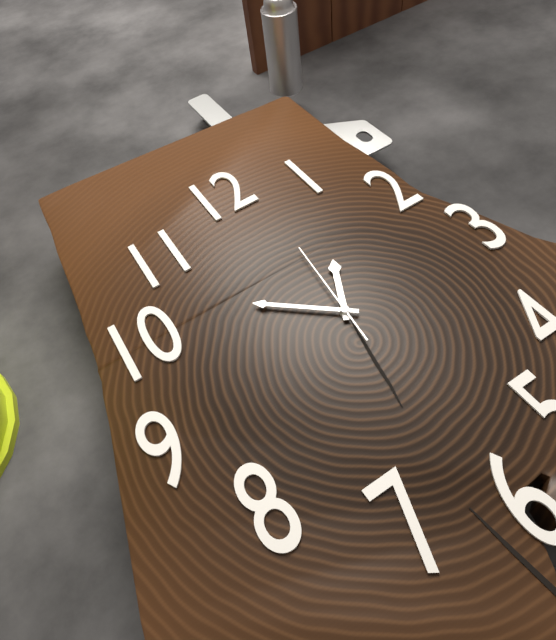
12:52:01
